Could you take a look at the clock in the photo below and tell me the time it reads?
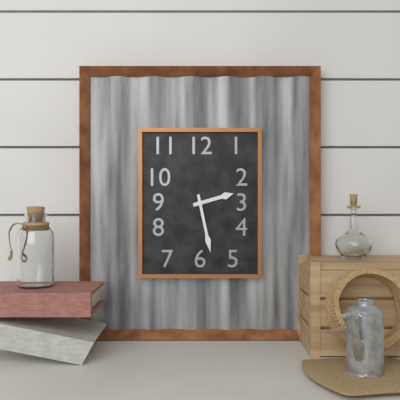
2:28
